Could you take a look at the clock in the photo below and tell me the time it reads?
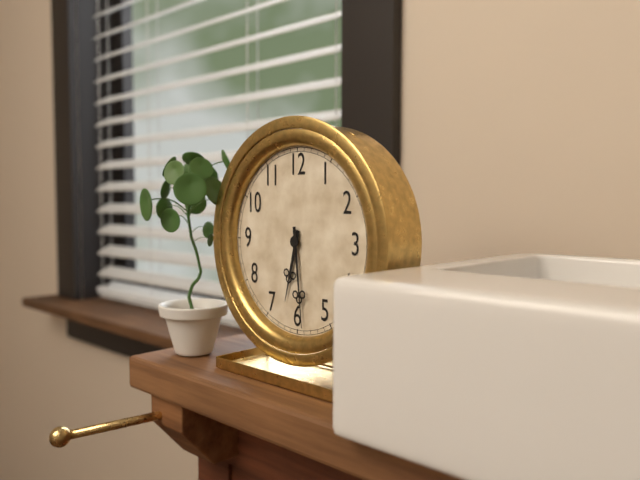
6:29
